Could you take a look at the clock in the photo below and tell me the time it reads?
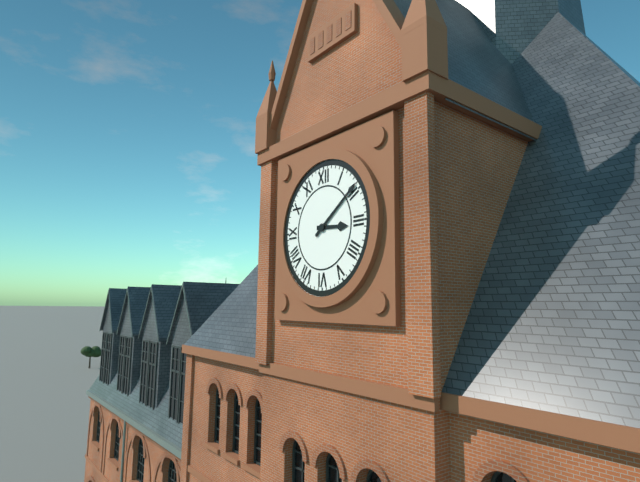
3:09
